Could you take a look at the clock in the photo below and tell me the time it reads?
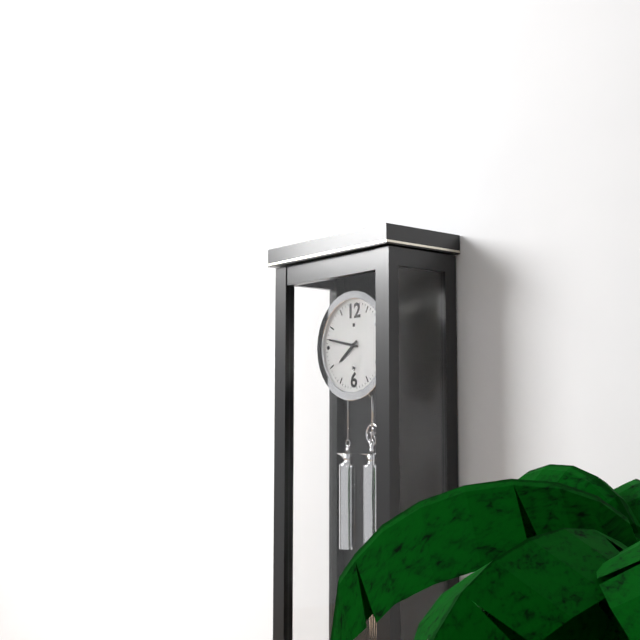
7:47
